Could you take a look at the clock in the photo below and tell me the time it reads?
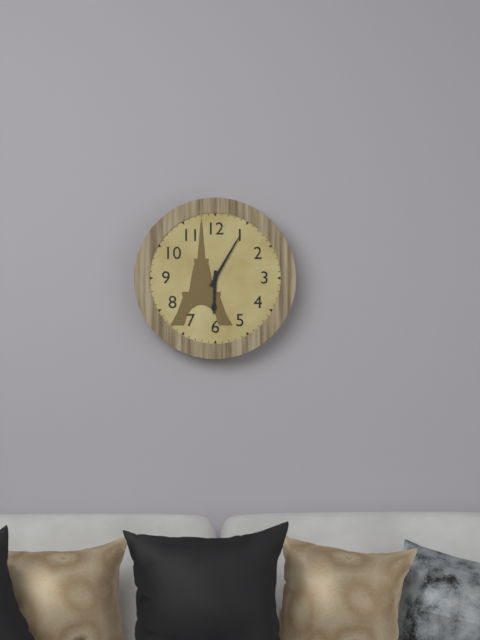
6:05
